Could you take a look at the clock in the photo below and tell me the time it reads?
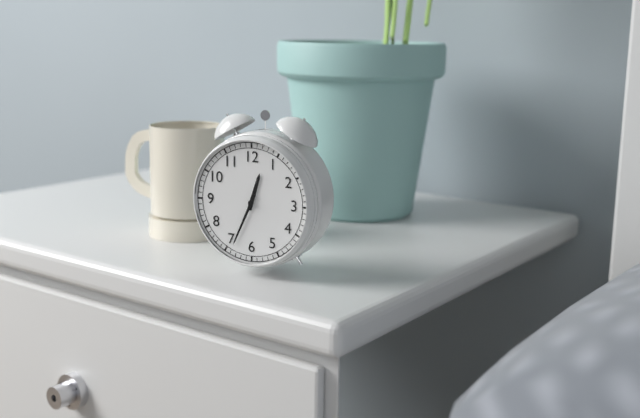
12:34
